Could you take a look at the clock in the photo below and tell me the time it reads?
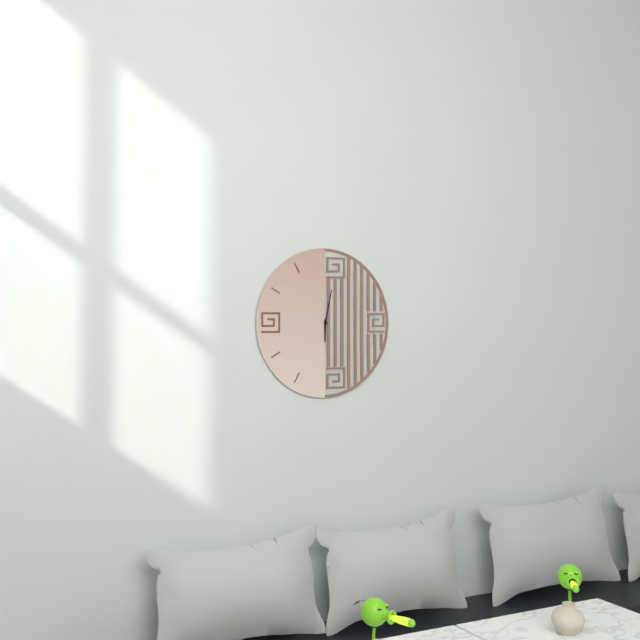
6:02
